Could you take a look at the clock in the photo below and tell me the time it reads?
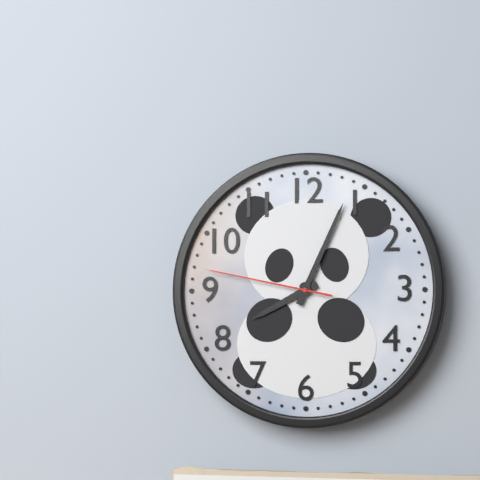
8:04:47
